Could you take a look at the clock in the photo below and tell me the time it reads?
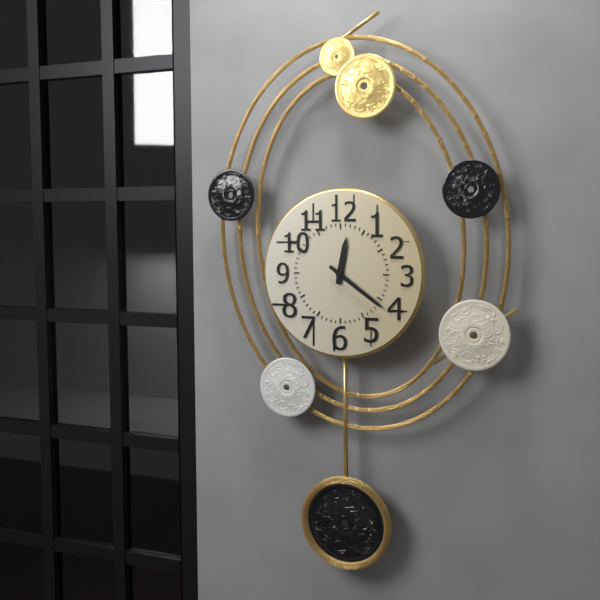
12:21
